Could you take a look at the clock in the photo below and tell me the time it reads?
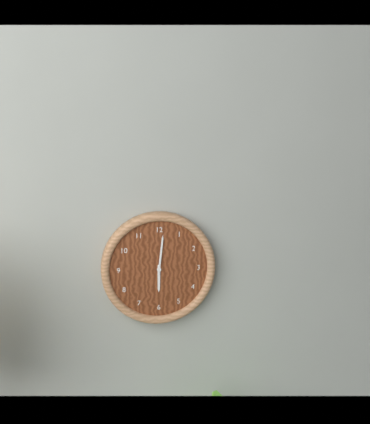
6:01
